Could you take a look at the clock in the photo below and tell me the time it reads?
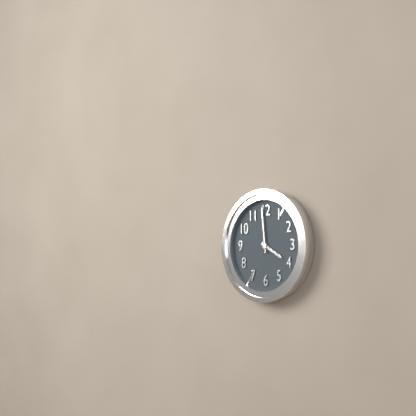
3:59
